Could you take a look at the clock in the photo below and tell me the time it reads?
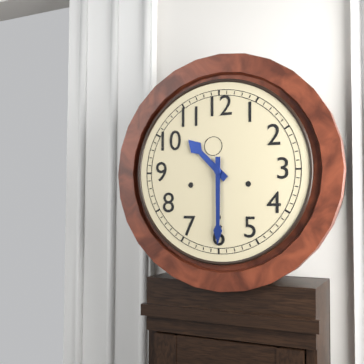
10:30
